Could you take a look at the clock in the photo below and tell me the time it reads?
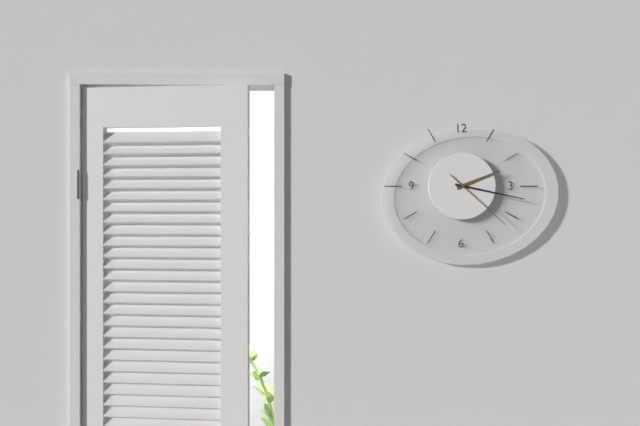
2:17:22
